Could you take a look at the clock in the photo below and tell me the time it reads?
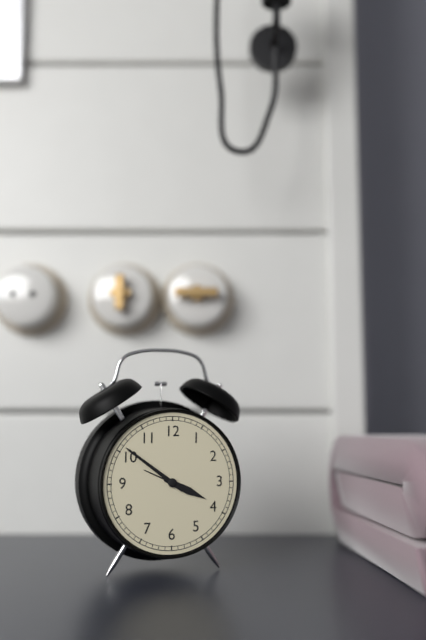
3:51
